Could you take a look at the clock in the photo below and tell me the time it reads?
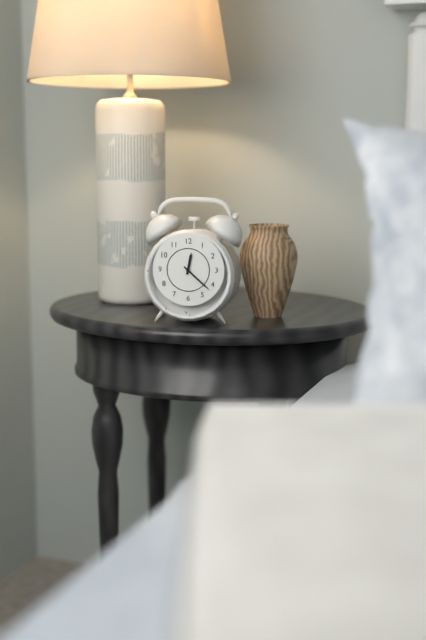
12:22
